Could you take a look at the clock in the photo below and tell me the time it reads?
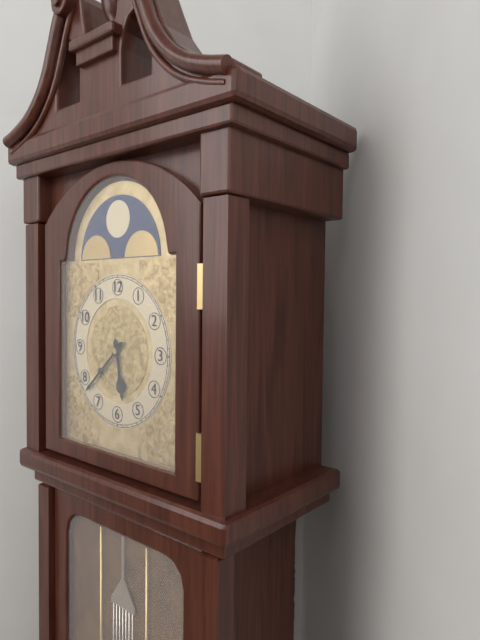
5:38
